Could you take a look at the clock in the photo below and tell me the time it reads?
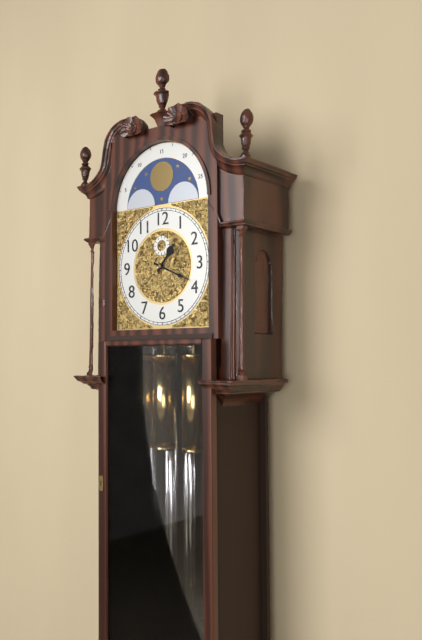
1:19
